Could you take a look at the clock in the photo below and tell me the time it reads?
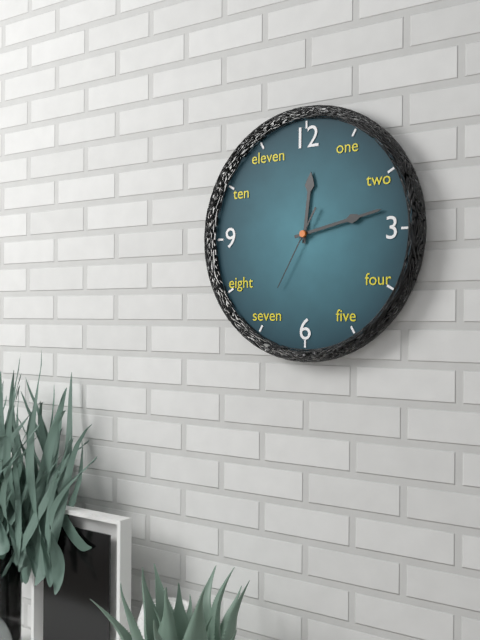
12:13:35
